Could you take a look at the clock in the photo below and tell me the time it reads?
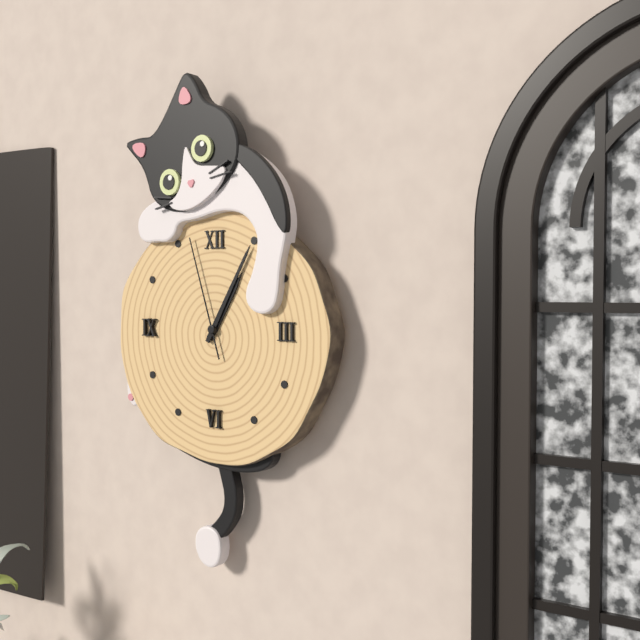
1:05:57
